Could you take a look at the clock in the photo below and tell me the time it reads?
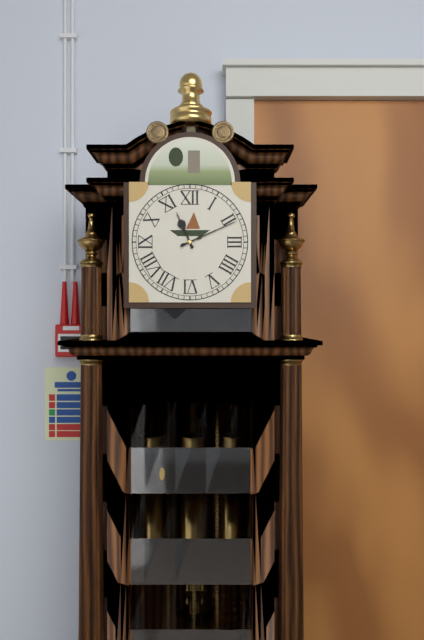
11:11
